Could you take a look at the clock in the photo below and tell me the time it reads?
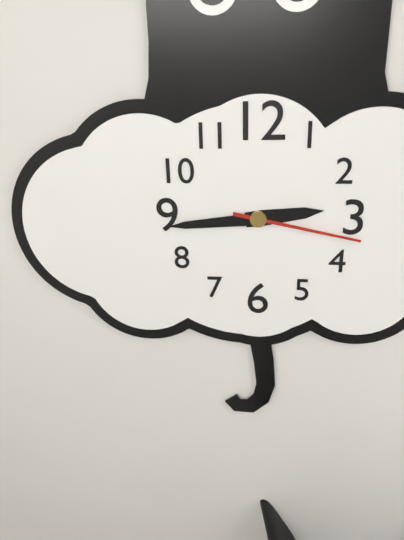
2:44:17
